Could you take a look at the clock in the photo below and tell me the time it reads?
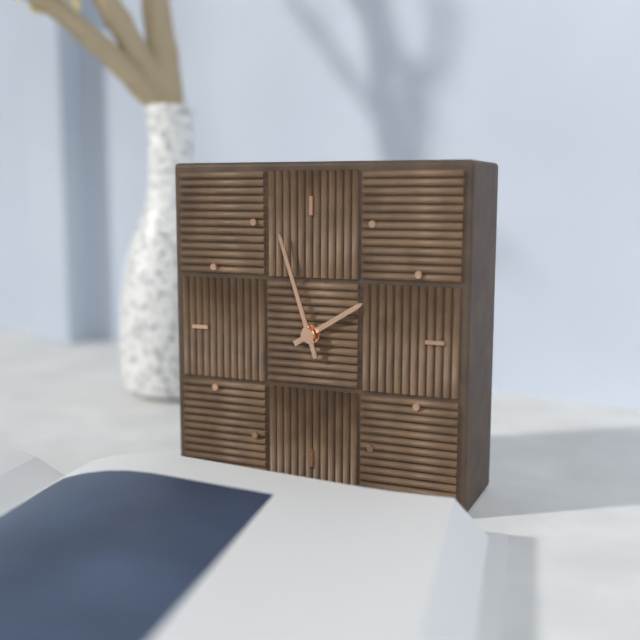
1:57
